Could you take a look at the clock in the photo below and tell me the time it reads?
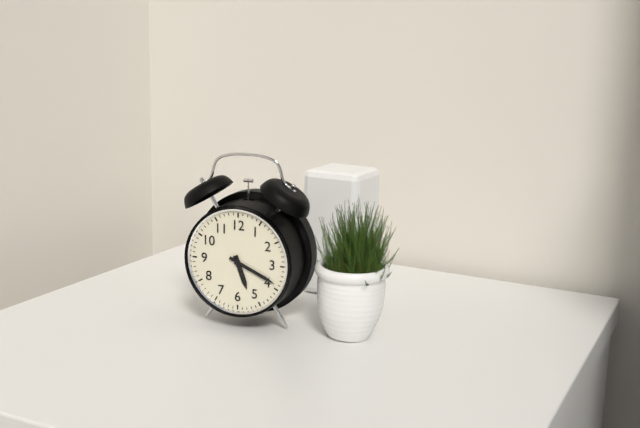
5:19
